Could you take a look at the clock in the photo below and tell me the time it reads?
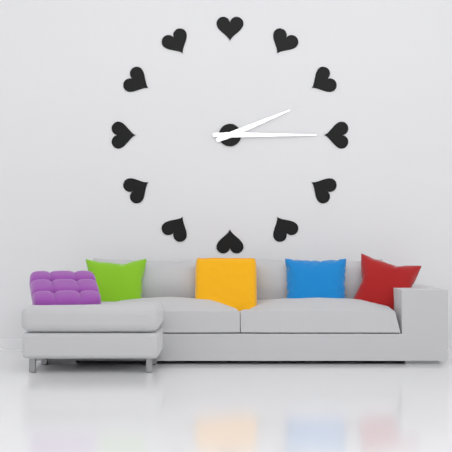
2:15
